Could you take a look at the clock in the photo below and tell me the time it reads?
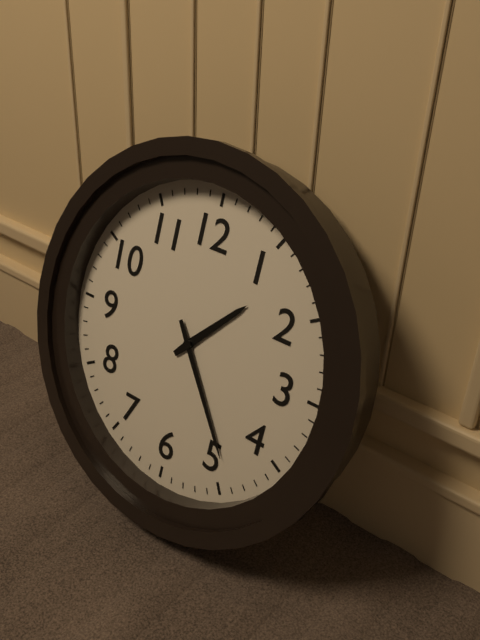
1:24
